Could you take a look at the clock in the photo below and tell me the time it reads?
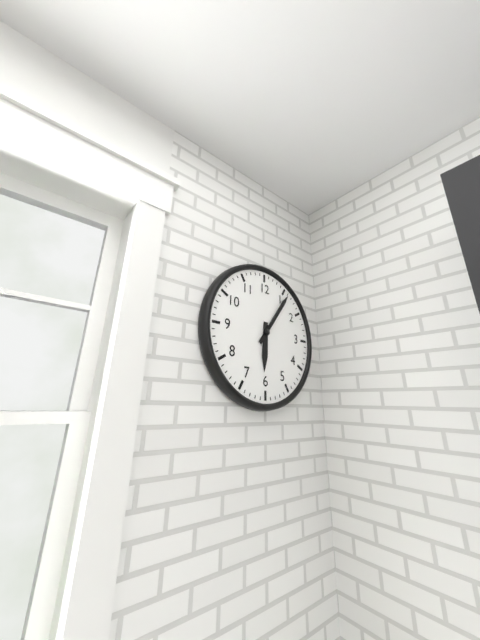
6:06
